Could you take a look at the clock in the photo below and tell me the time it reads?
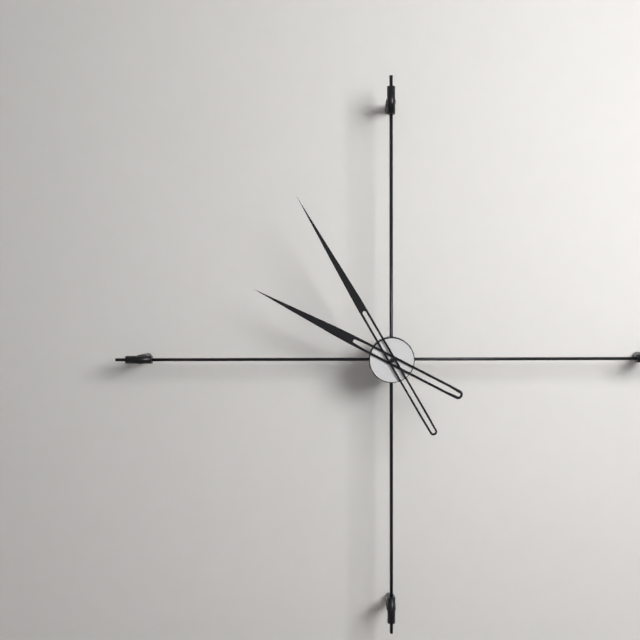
9:55
